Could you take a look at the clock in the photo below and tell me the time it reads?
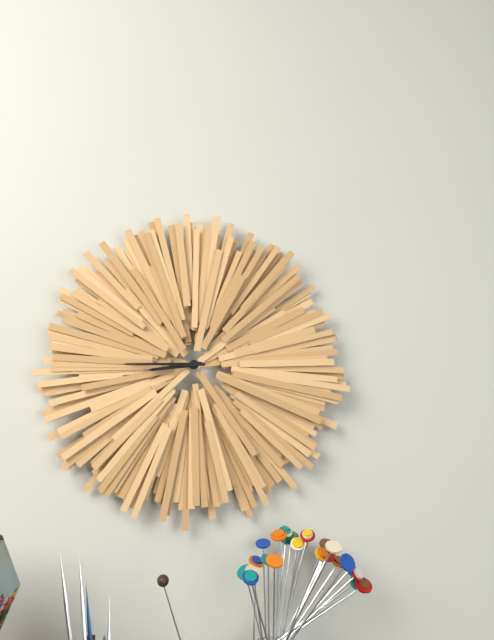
8:45
